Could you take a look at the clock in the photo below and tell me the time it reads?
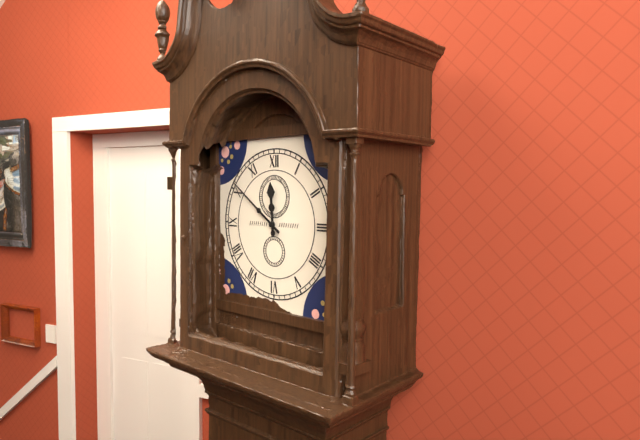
11:51
